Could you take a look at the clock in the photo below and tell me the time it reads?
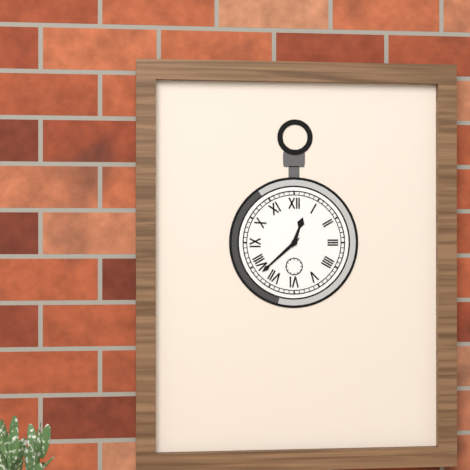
12:38
